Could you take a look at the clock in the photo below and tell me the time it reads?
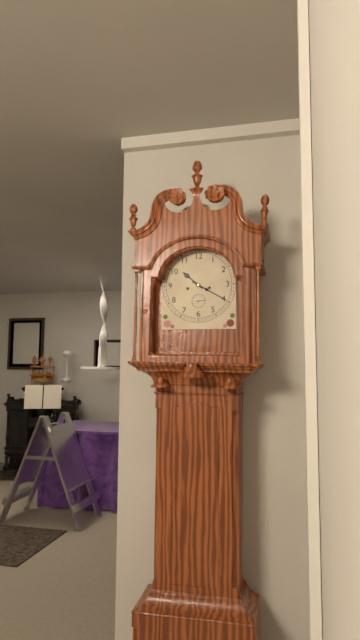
10:20
